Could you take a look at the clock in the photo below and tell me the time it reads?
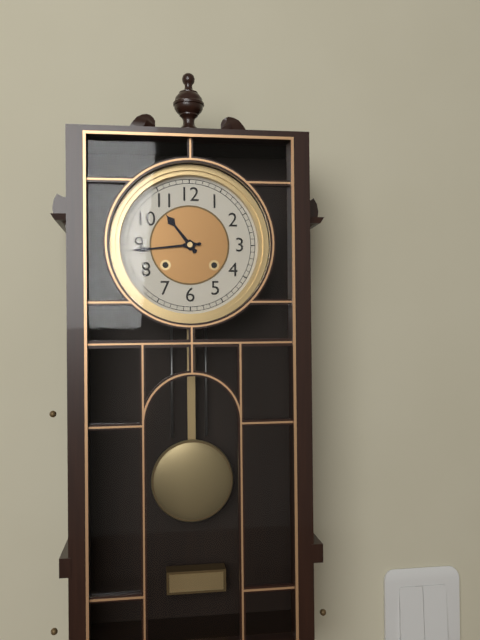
10:44
